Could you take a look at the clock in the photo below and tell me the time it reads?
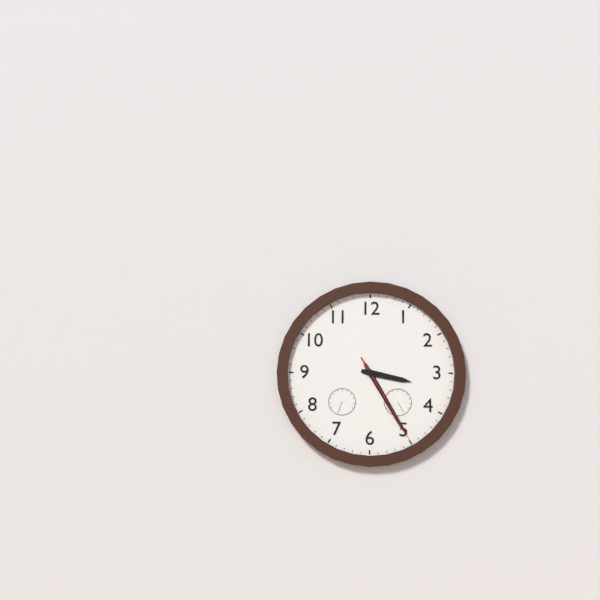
3:25:25
